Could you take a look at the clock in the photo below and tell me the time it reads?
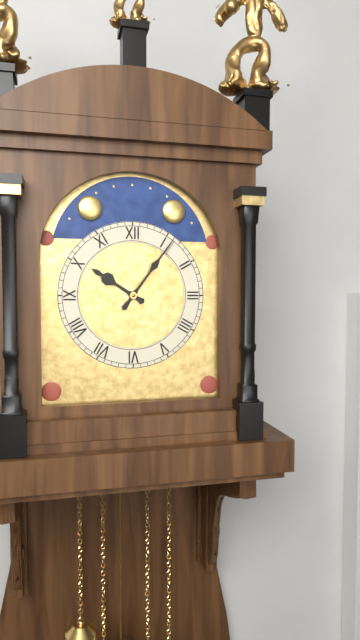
10:06
